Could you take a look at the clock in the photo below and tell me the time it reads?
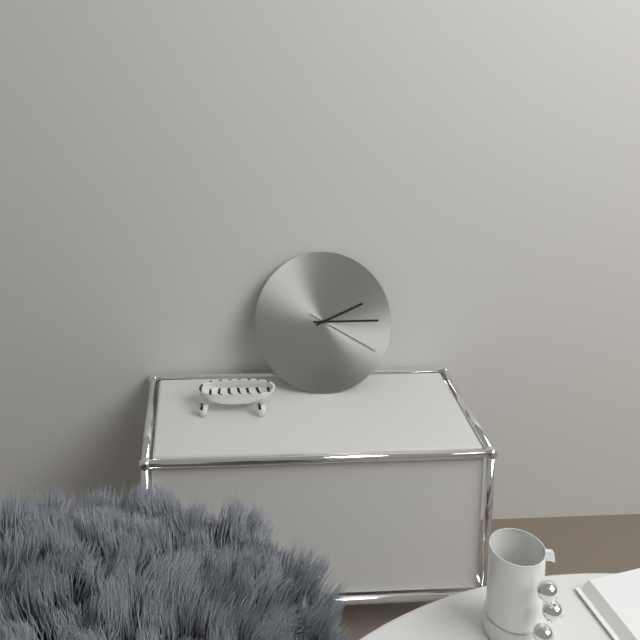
2:15:20
